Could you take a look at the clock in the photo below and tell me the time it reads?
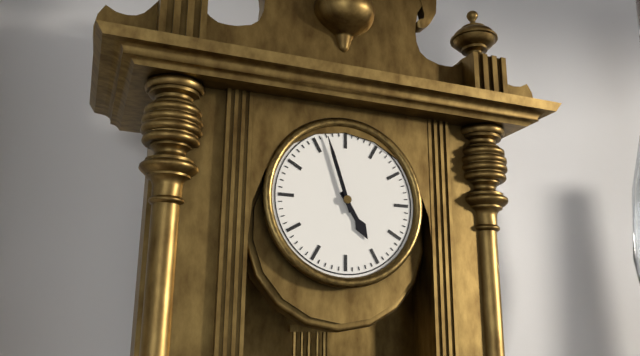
4:57
